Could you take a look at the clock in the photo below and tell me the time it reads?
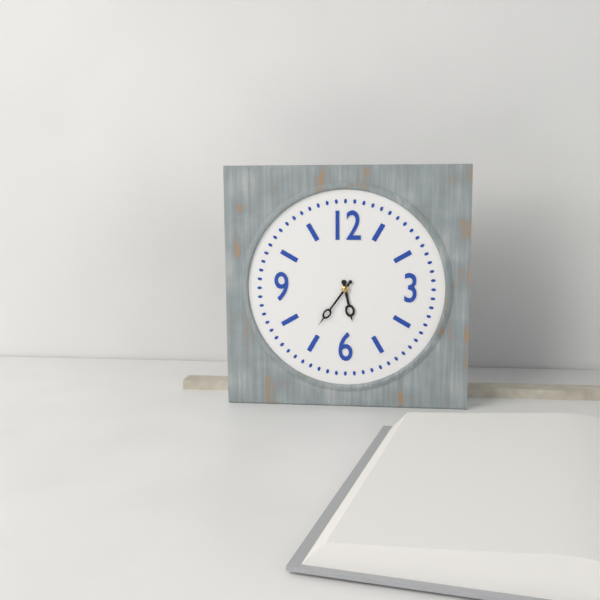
5:36
